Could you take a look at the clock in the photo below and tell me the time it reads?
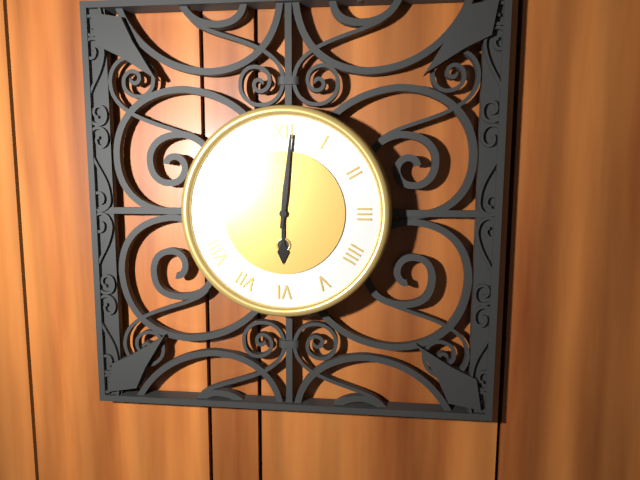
6:01
